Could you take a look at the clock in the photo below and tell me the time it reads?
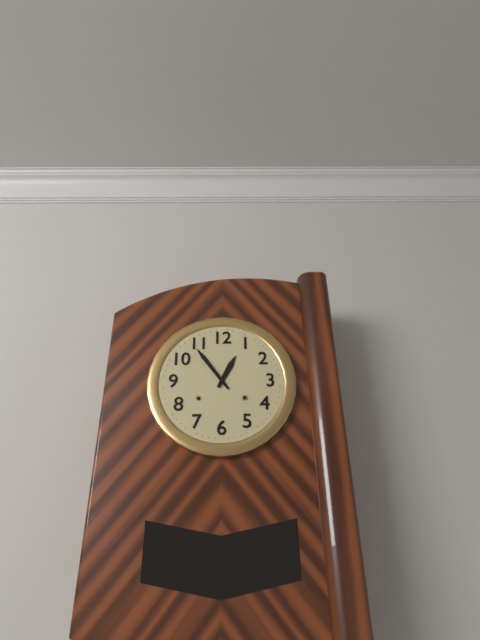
12:54
